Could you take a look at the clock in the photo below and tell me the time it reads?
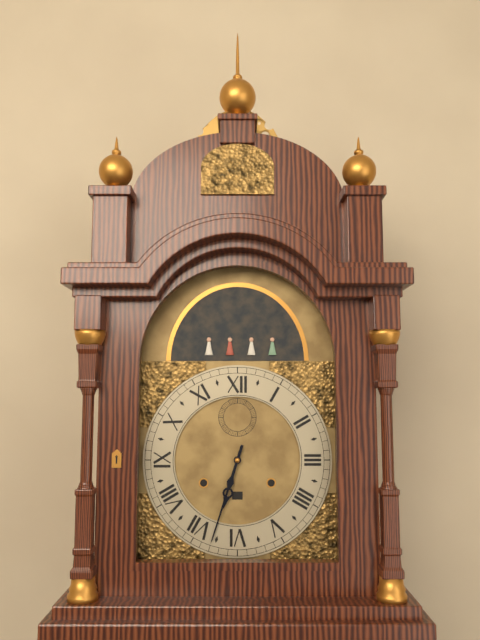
6:33
